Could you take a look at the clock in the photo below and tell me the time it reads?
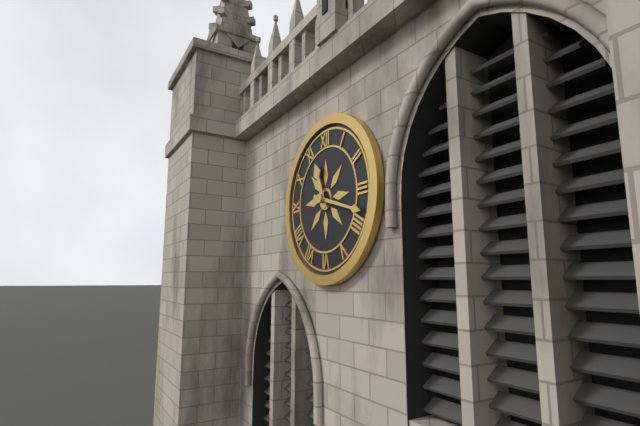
11:18
